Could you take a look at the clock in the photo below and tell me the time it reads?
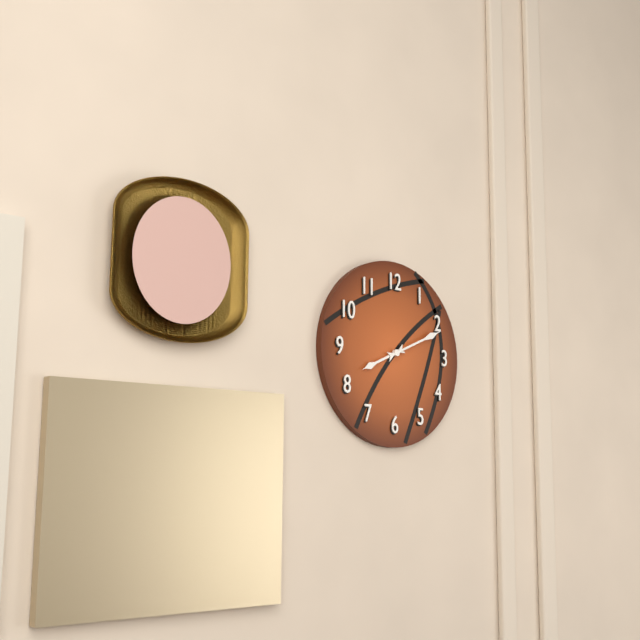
8:11
